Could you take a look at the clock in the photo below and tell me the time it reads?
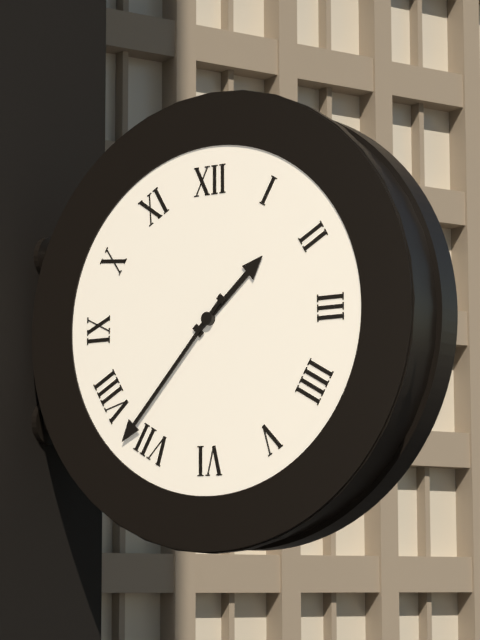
1:37
